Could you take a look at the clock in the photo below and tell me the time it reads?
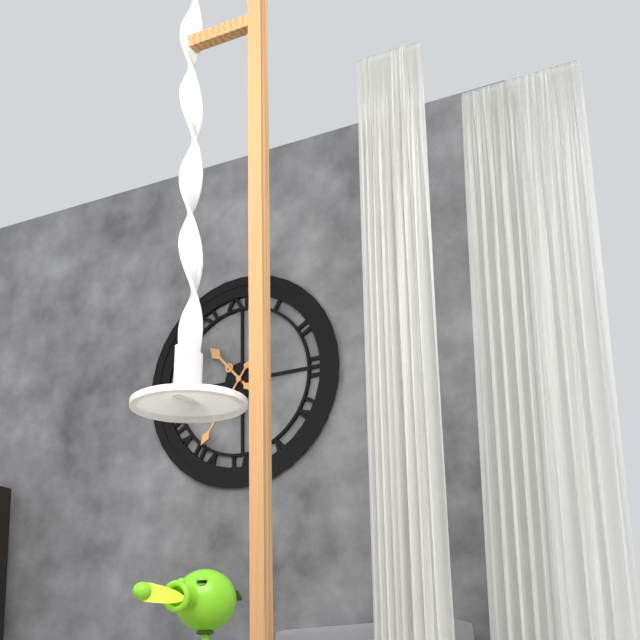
10:36
